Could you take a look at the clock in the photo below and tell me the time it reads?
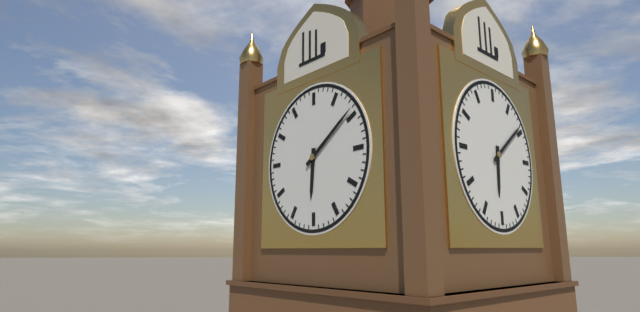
6:09
